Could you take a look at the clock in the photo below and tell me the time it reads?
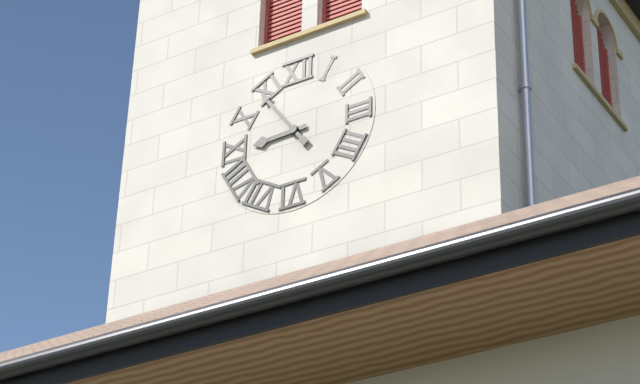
8:54
